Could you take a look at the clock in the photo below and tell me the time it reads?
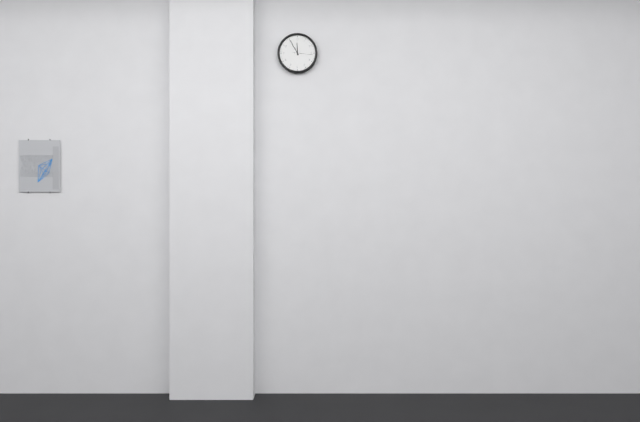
11:55
